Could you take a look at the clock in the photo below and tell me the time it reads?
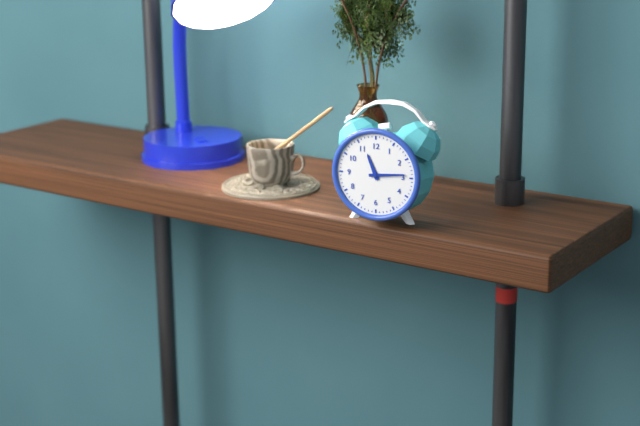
11:14
